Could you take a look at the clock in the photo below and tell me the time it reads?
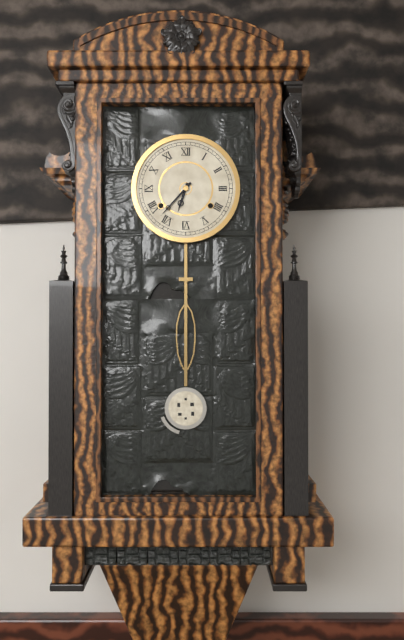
6:37
